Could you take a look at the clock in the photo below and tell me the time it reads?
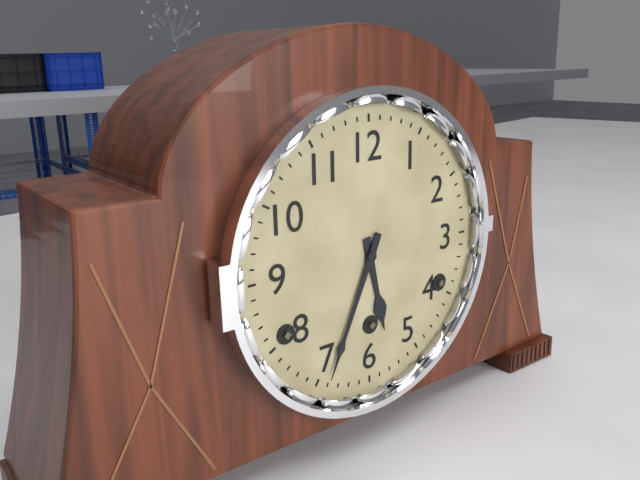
5:34
